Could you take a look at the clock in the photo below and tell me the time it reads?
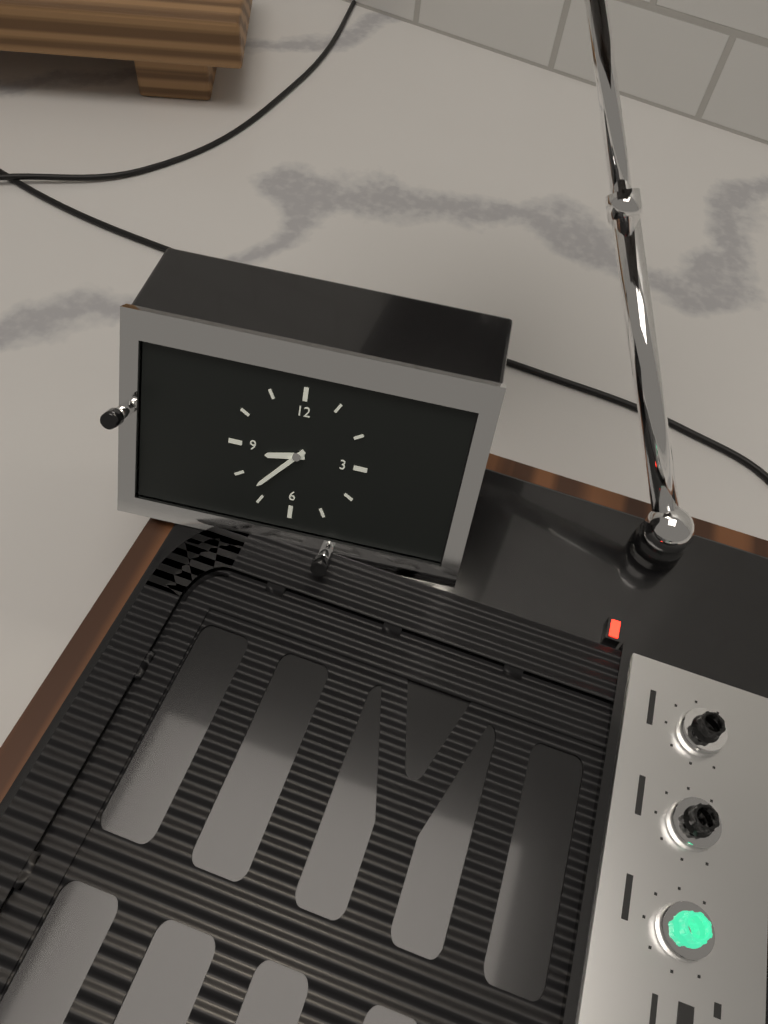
8:37
